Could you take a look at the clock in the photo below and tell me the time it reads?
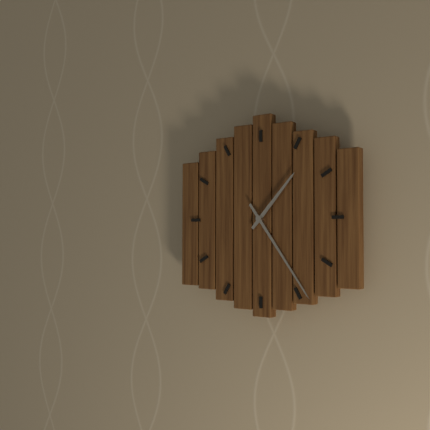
1:24
